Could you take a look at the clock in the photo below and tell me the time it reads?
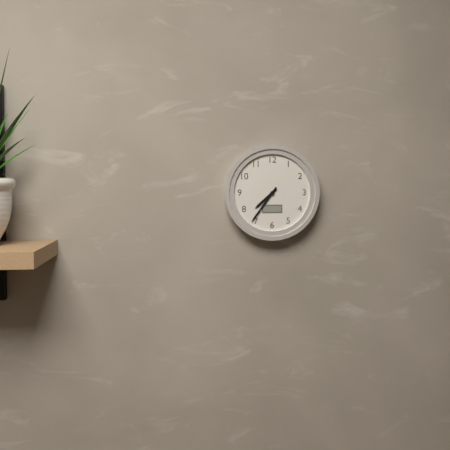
7:36
